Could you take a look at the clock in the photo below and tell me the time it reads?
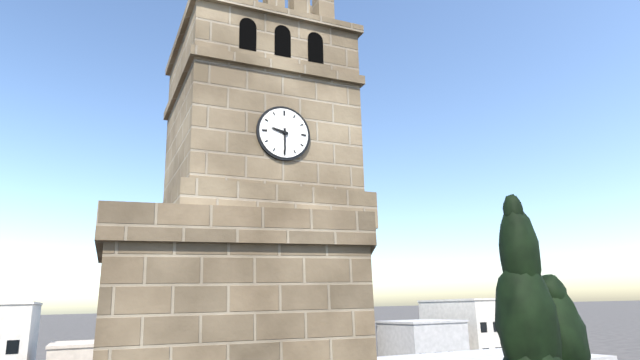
9:30
